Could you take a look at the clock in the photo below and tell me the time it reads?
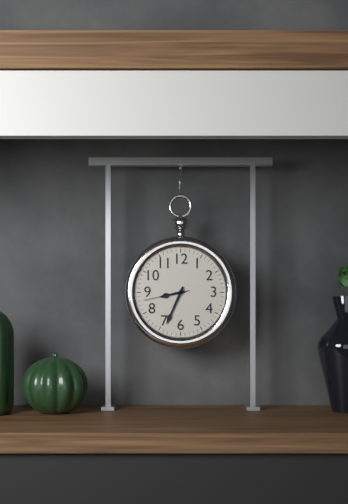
8:34
